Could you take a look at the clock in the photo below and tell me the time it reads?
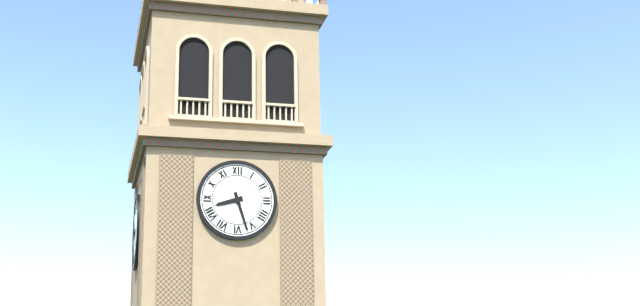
8:27
